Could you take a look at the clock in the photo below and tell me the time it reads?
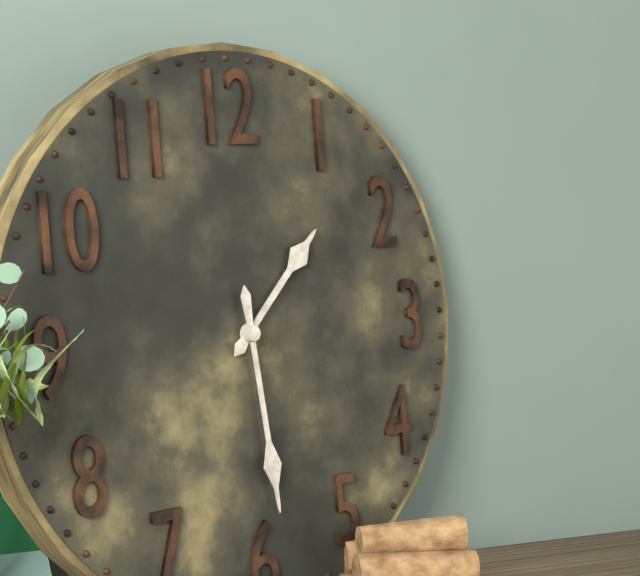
1:29
